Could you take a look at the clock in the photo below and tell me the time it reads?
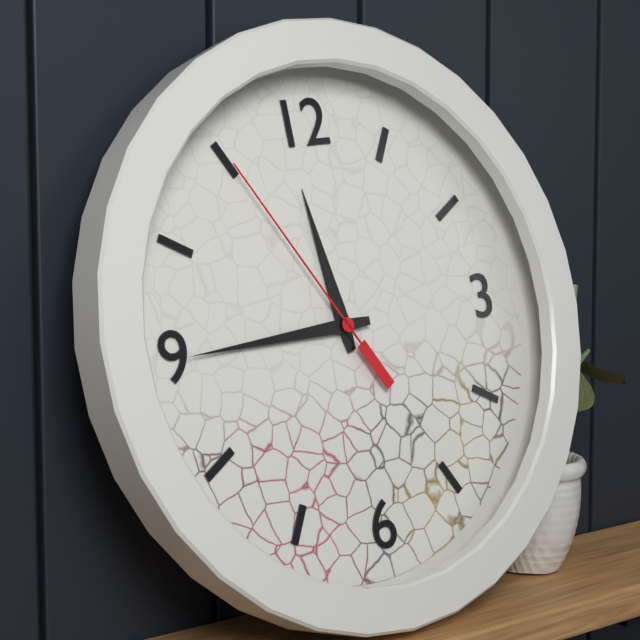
11:45:55
